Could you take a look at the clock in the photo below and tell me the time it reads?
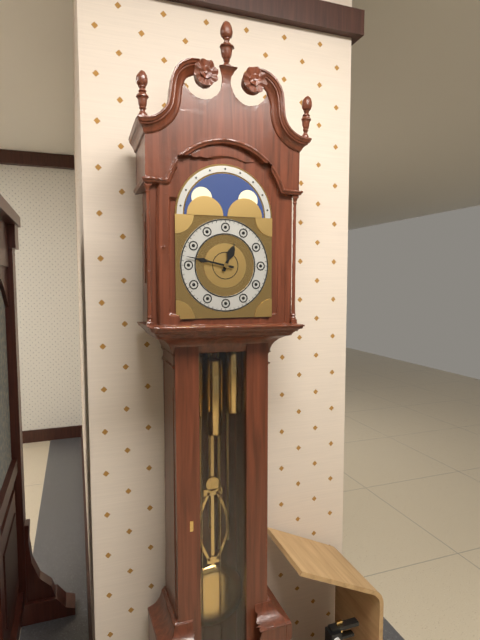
12:47
